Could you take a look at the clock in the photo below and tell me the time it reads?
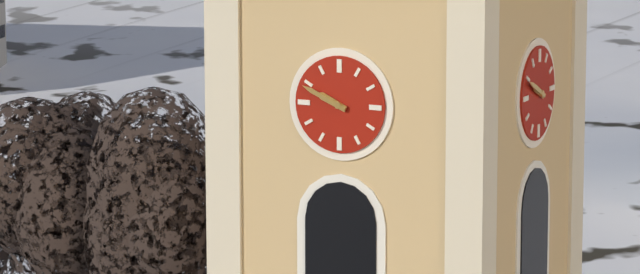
9:49
